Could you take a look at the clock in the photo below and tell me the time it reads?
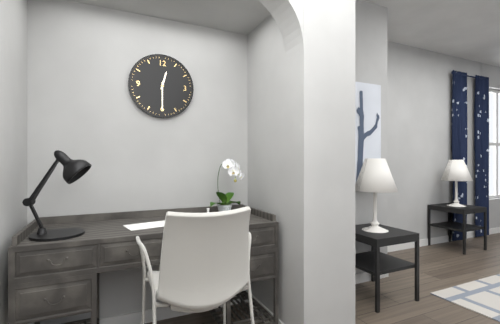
12:30
